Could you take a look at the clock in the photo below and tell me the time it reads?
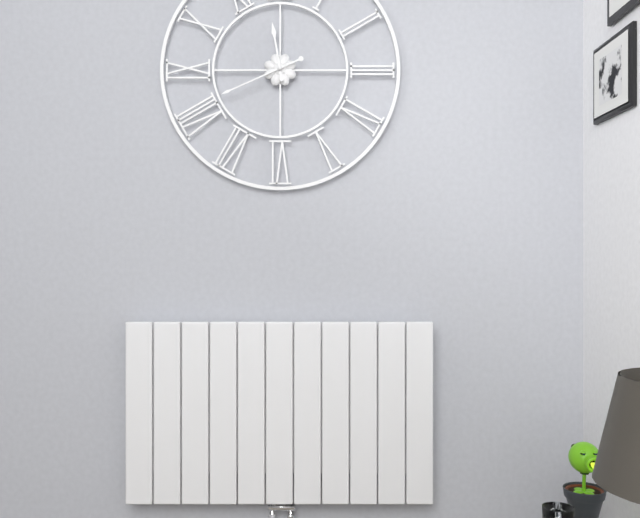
11:41
